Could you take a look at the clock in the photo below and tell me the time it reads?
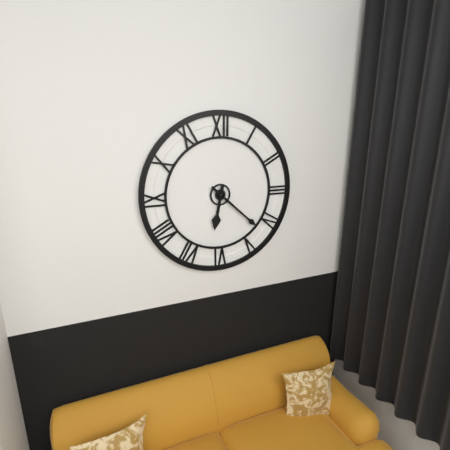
6:22
